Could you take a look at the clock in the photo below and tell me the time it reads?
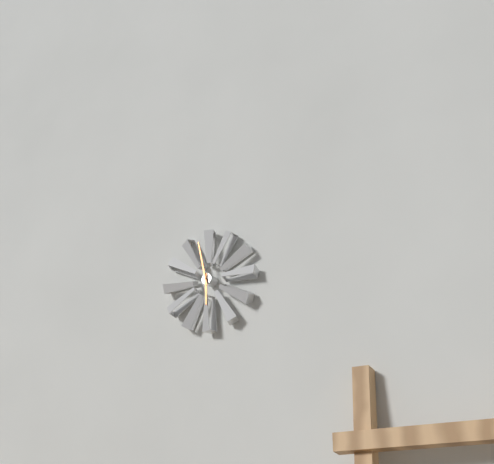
5:58
